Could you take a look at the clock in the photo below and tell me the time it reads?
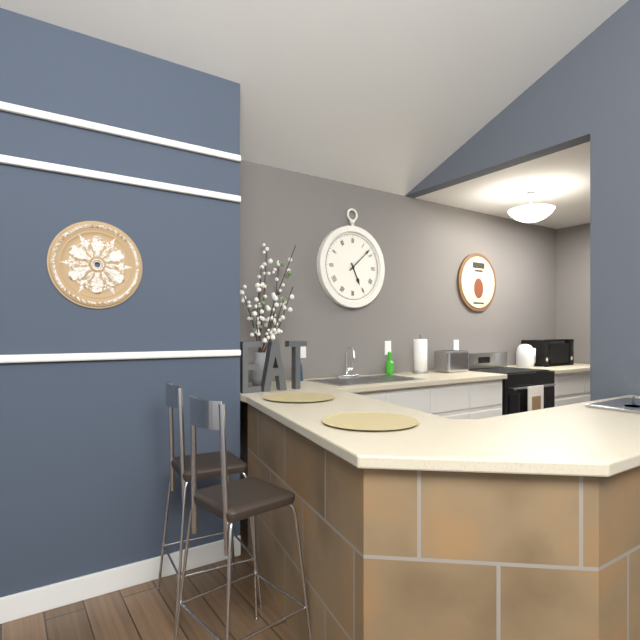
5:08
